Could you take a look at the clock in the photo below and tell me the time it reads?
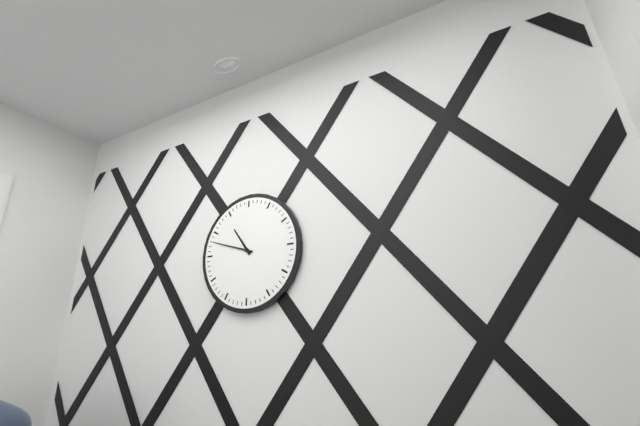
10:48
